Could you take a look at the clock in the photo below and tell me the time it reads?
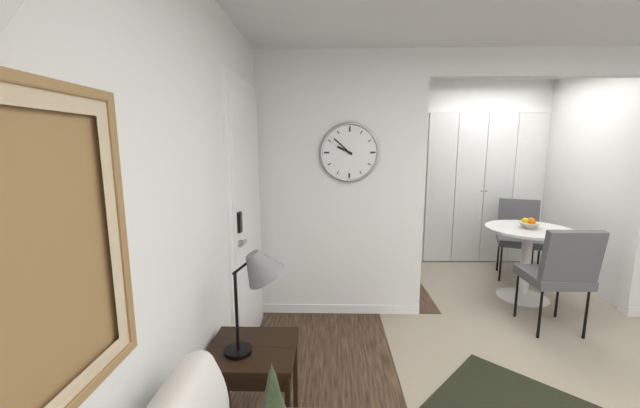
9:52
